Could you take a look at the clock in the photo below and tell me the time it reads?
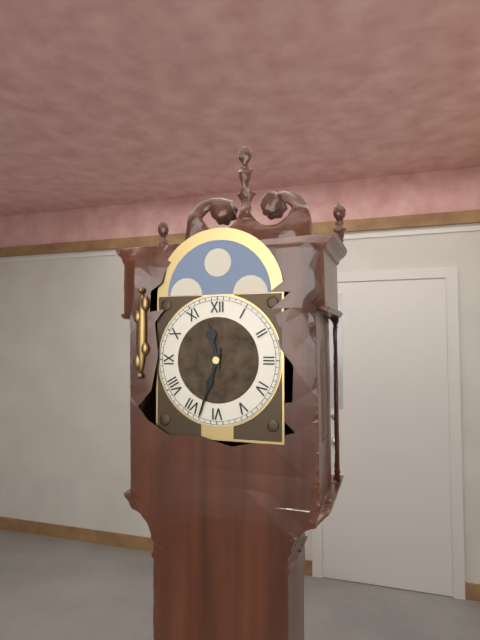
11:33
